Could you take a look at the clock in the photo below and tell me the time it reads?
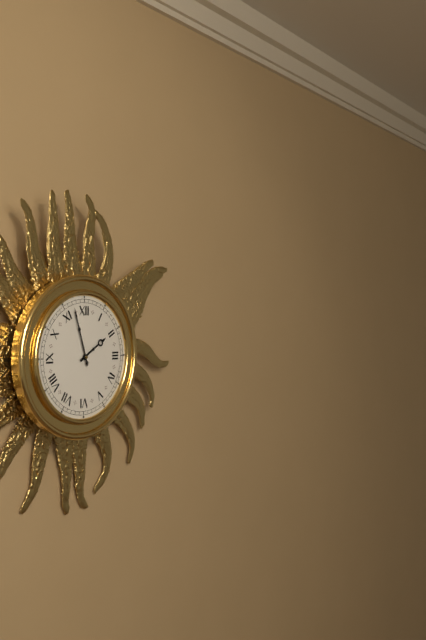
1:57
